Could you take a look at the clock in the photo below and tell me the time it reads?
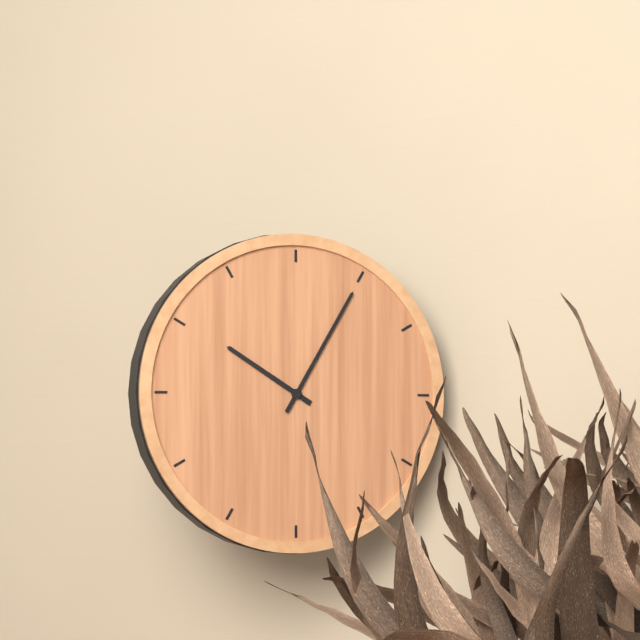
10:05
